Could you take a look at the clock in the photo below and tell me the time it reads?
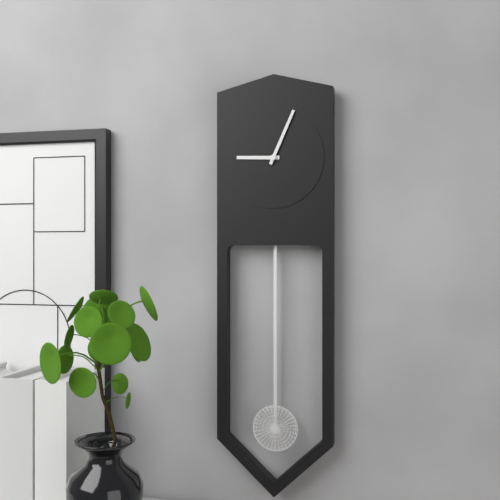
9:04
